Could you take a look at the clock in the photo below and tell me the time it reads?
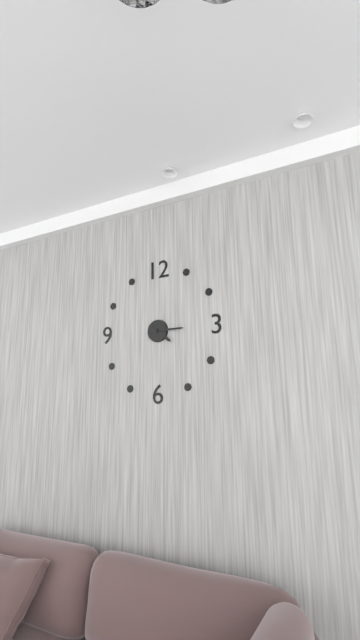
4:15
